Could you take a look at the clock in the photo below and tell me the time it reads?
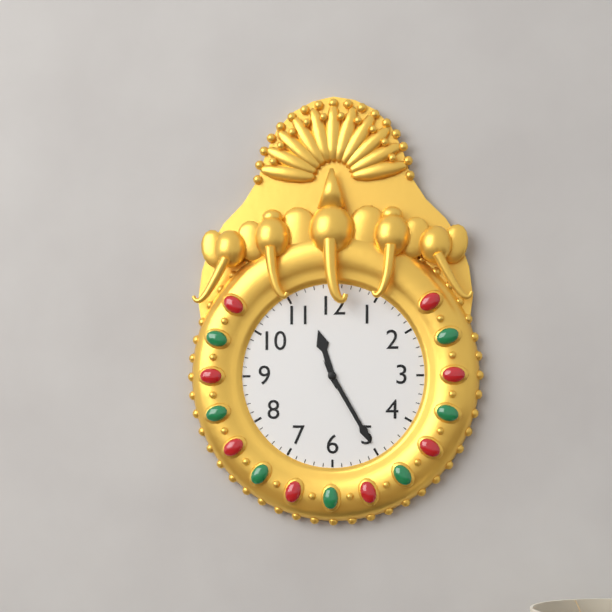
11:25
